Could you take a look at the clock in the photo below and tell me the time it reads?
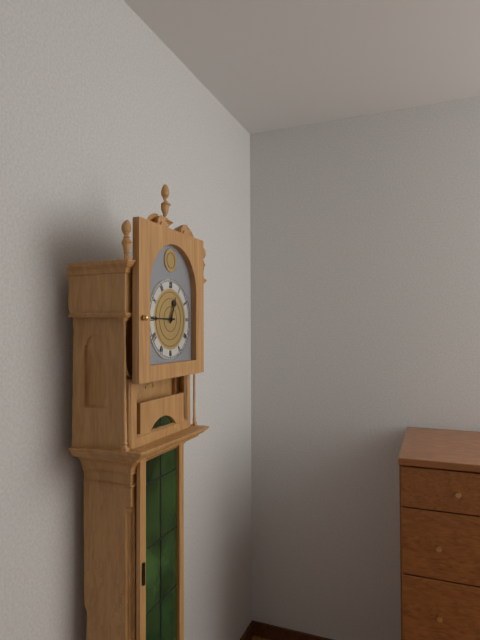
12:45
